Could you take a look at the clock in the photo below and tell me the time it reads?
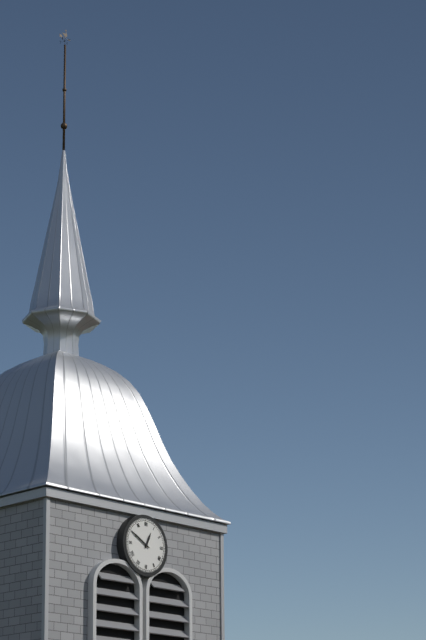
12:50
